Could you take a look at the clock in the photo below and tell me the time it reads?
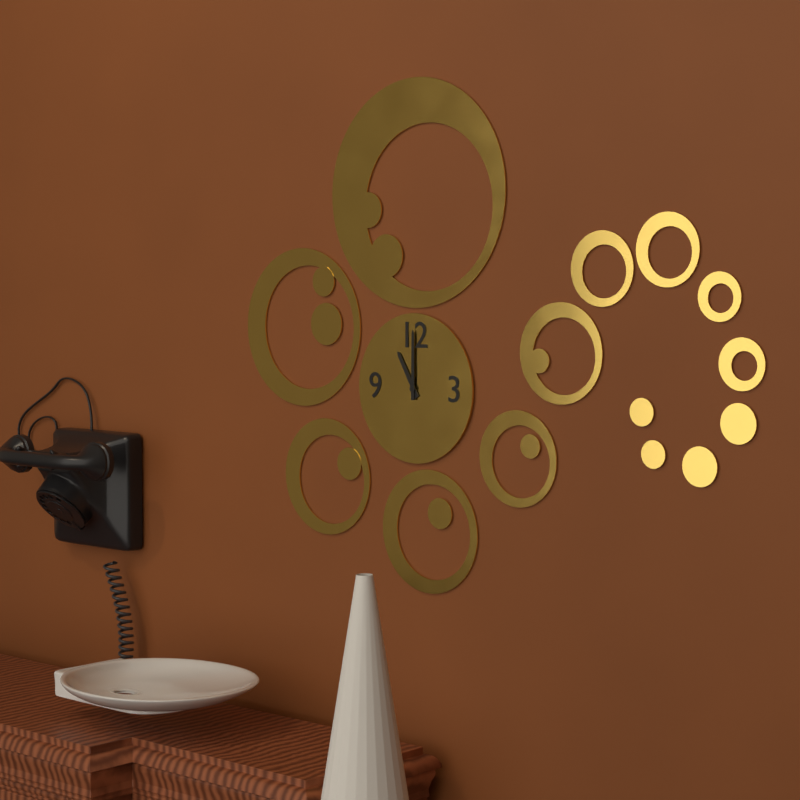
11:00
